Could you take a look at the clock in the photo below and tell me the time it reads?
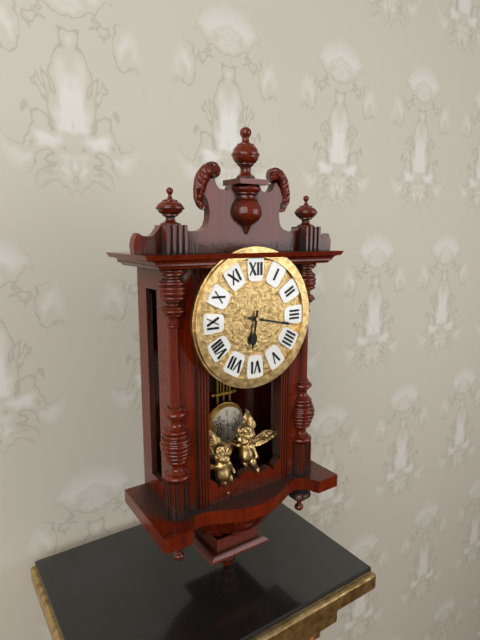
6:17
